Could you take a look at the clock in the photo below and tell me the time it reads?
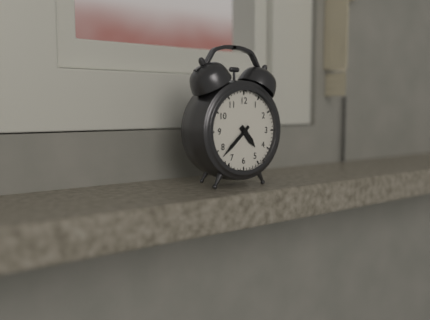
4:38
